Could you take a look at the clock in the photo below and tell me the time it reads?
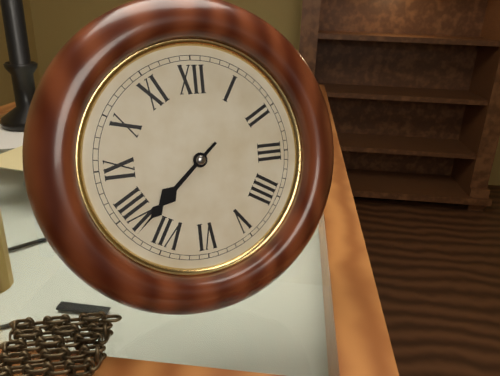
7:38
